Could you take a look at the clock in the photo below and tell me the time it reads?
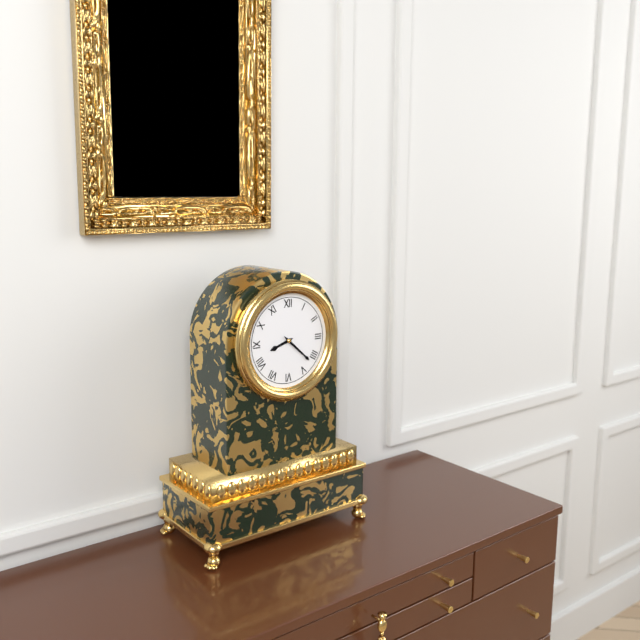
8:22
